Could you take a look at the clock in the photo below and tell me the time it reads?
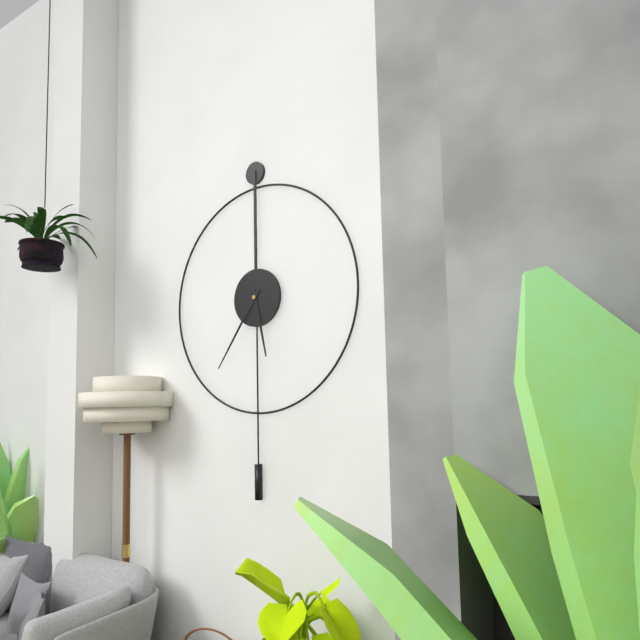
5:36
